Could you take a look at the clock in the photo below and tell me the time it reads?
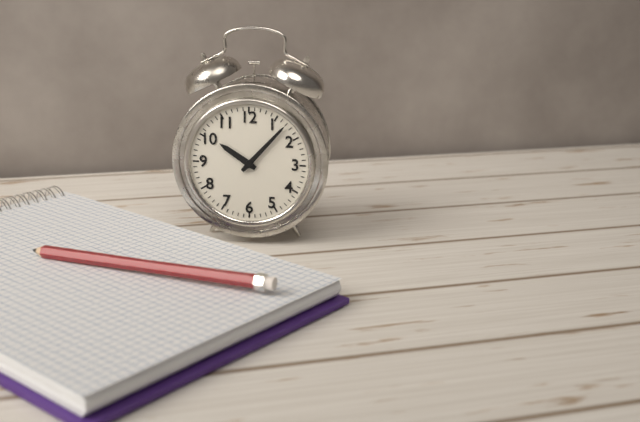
10:07
